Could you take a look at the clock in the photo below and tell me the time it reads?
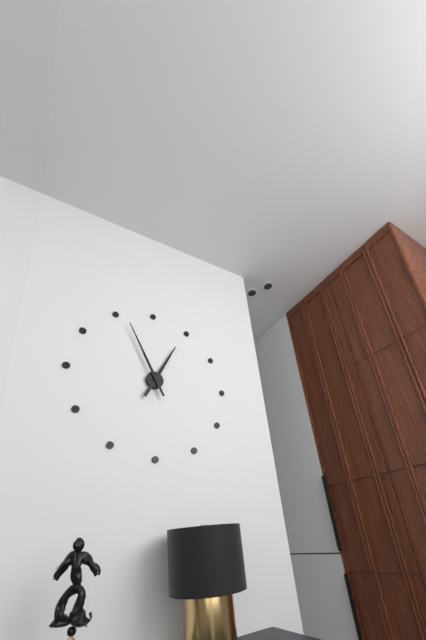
12:56
